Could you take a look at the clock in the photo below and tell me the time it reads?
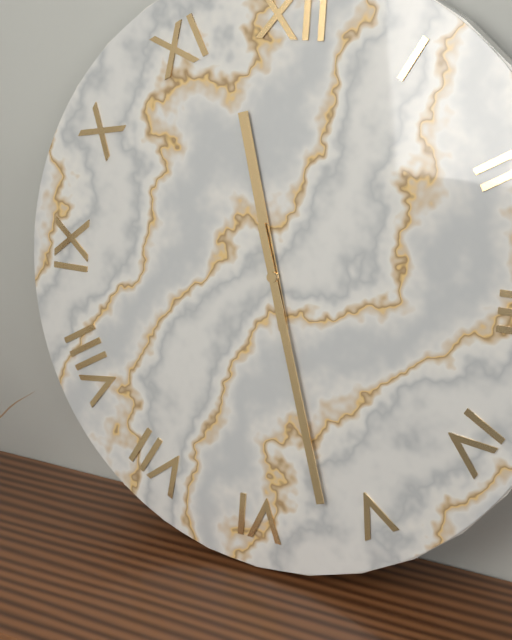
11:27
